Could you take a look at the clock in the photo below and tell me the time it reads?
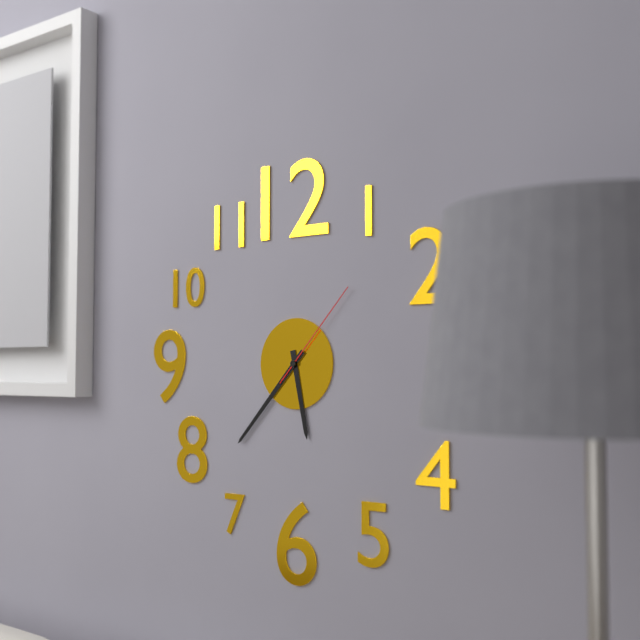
5:37:07
